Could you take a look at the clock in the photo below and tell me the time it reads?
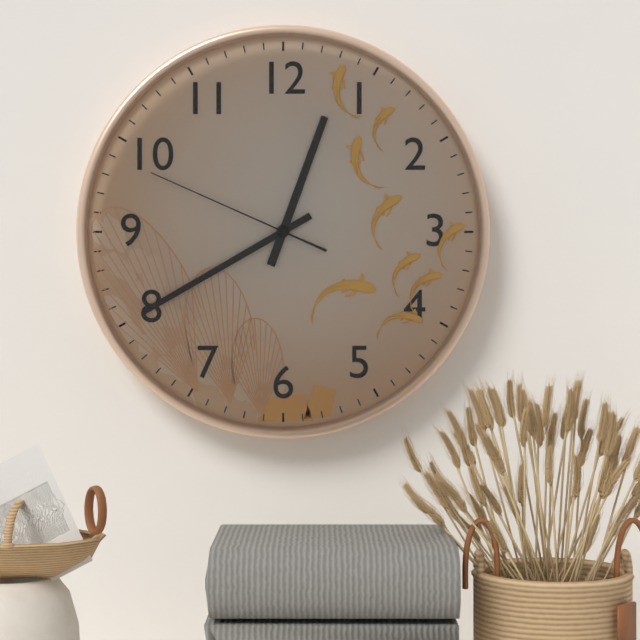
12:40:49
